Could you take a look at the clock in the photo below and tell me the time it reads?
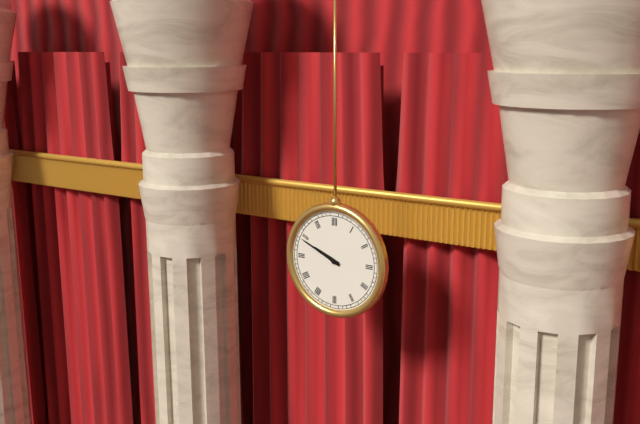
9:49
